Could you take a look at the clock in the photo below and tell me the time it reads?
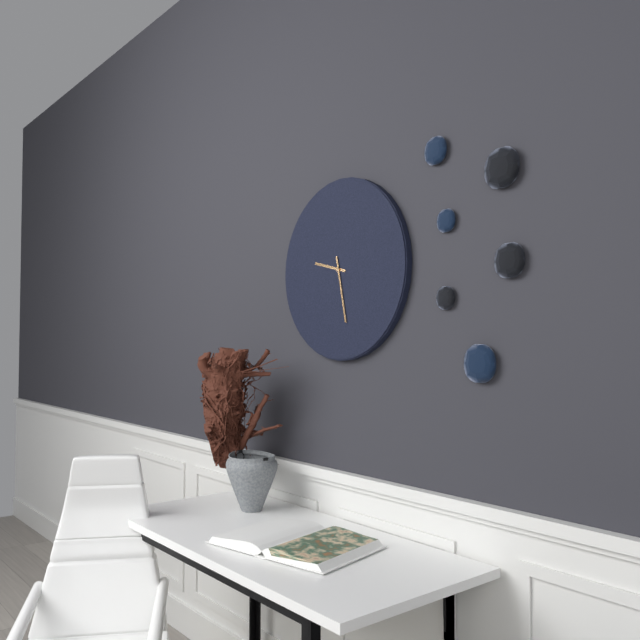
9:28
